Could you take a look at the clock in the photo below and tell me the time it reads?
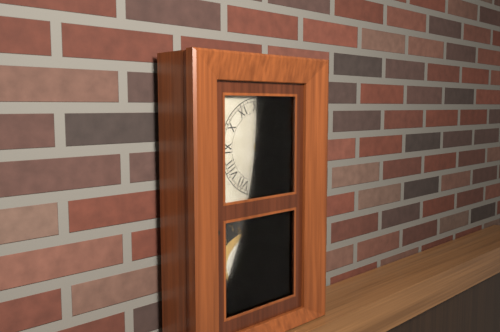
6:03
